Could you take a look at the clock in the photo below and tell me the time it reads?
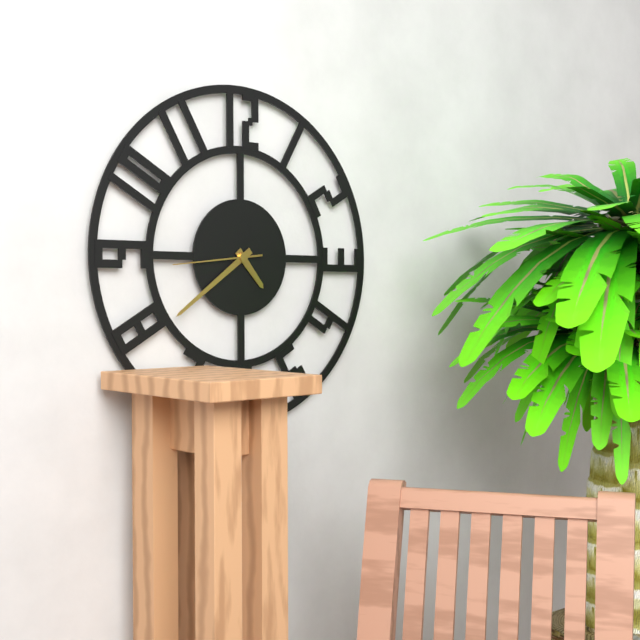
4:39:44
